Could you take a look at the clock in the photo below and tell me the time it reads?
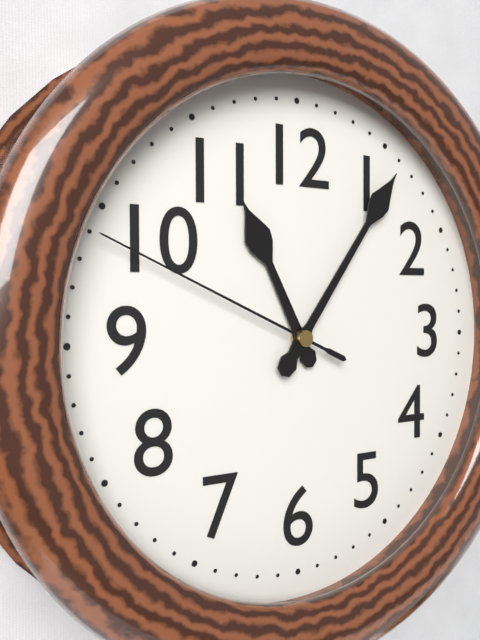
11:06:49
